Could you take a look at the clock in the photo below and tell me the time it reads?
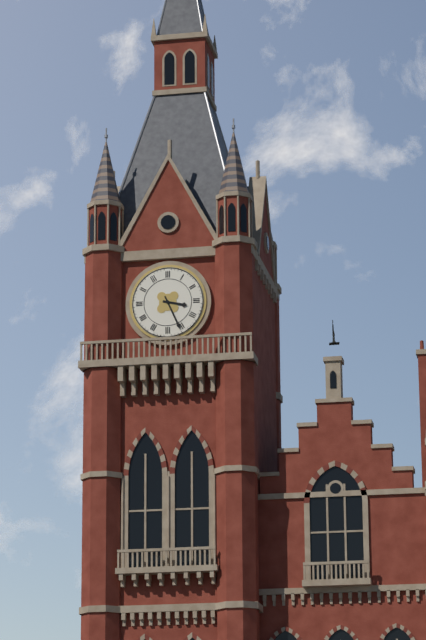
3:26
